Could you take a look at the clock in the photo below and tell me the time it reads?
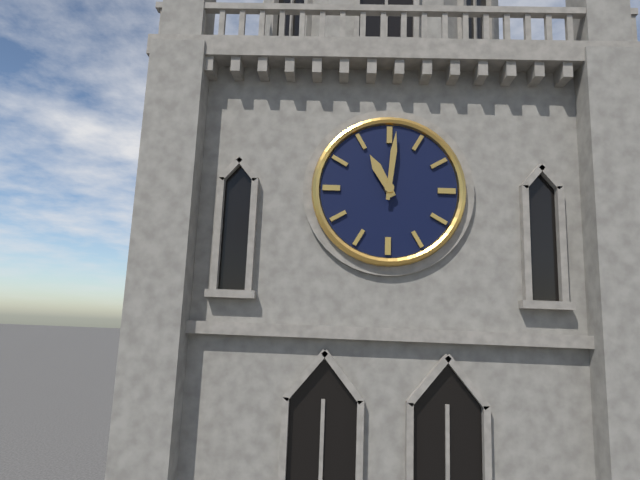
11:01
